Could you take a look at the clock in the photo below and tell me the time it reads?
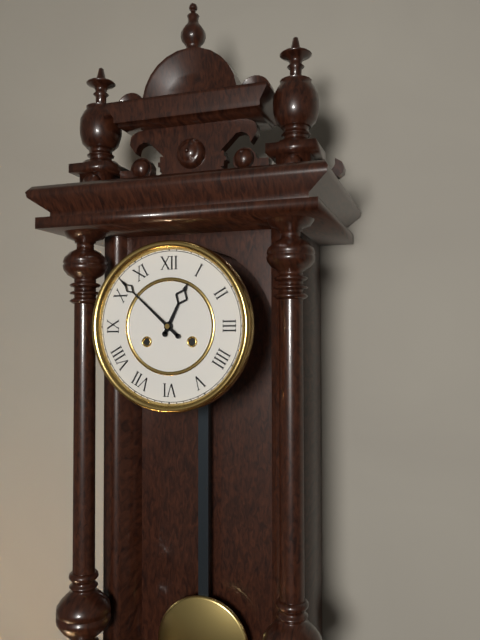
12:52
